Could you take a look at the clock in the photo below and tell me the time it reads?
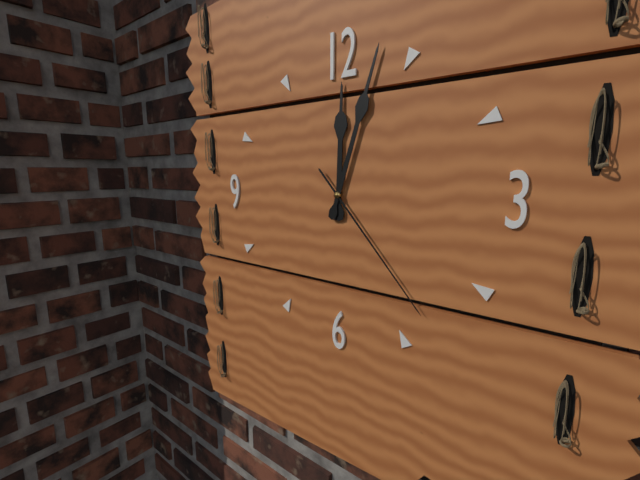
12:03:23
